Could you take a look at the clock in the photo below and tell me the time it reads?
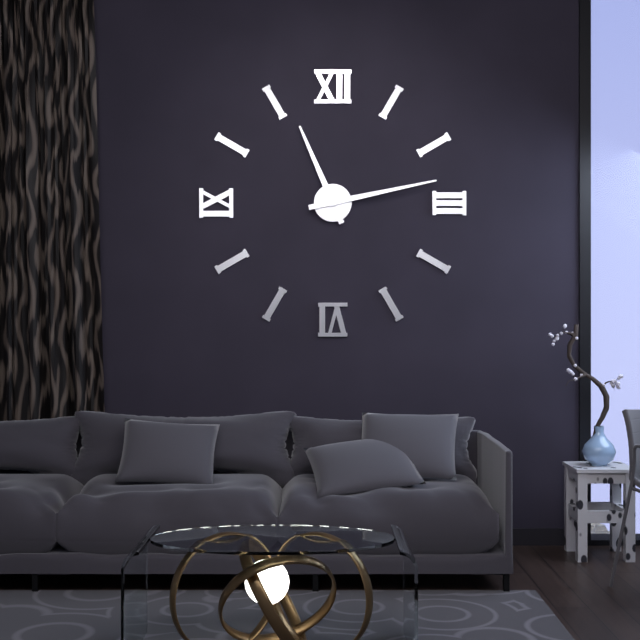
11:13
